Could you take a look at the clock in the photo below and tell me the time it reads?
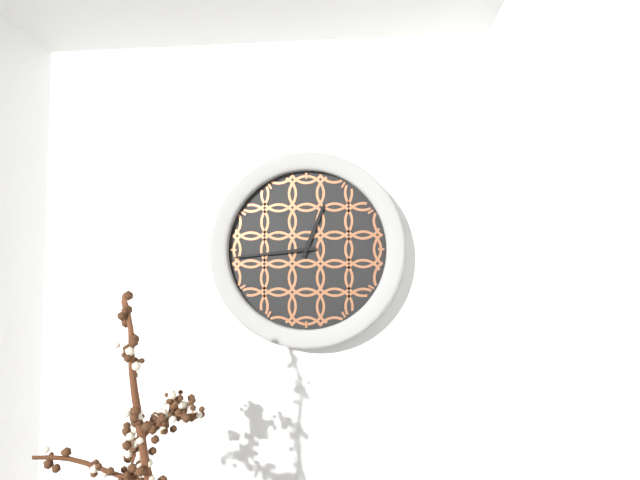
12:44
